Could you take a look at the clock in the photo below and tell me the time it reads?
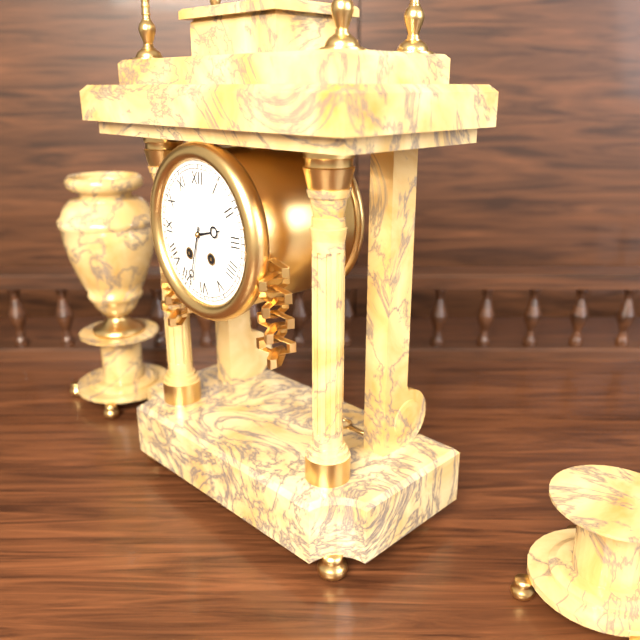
2:33
